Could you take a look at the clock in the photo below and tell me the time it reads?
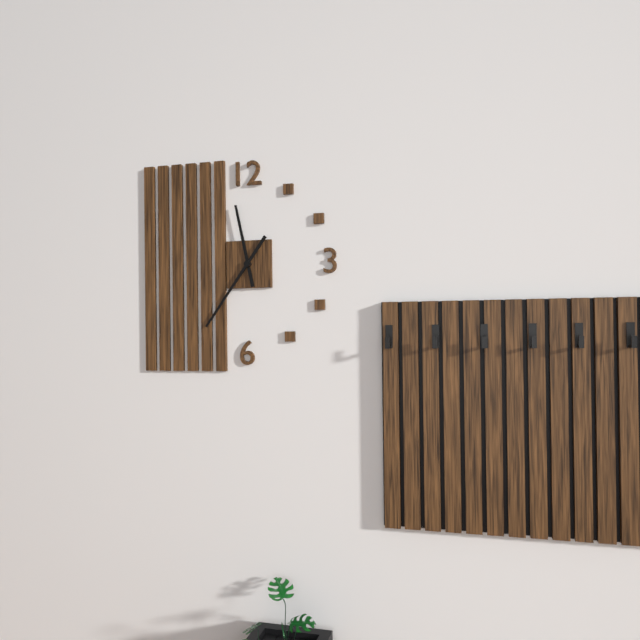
11:36
